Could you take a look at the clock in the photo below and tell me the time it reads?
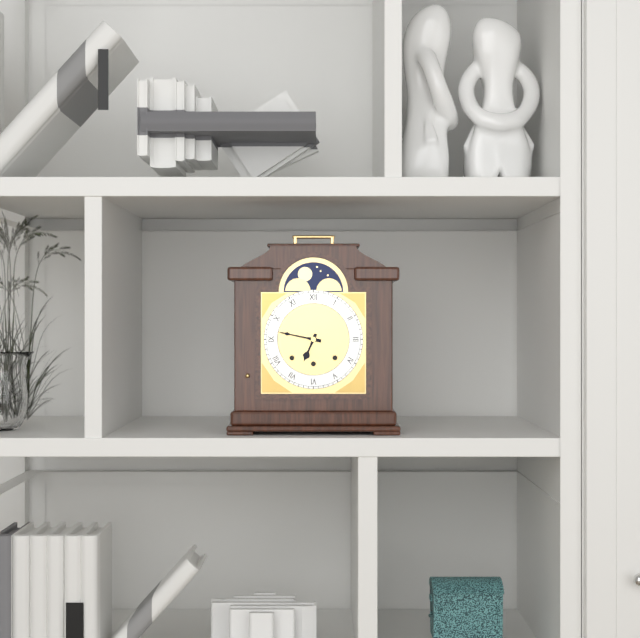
6:47
